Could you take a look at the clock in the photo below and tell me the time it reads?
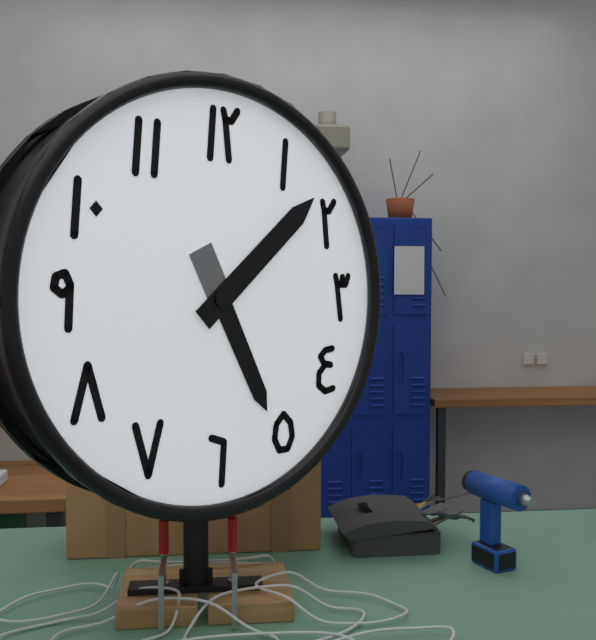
5:08
